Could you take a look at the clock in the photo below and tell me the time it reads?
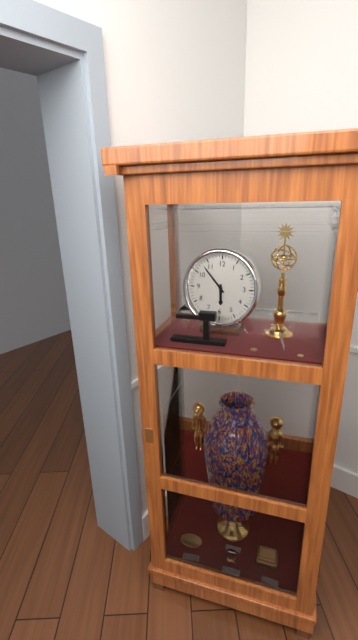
5:53
